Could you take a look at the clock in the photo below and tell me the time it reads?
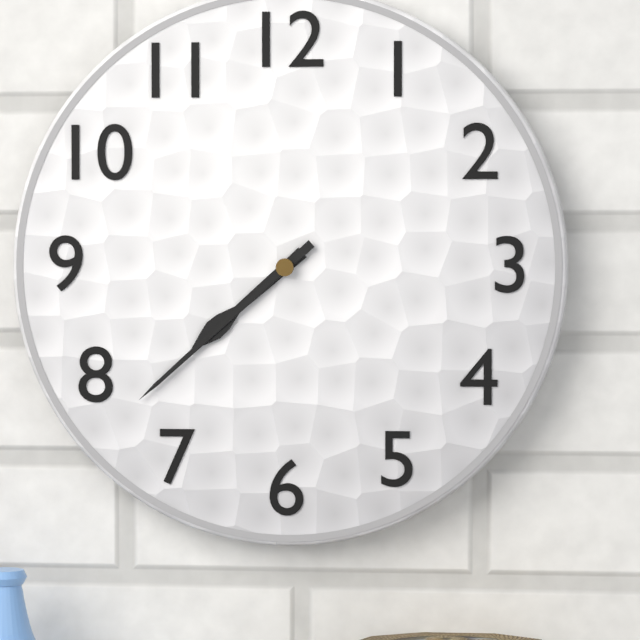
7:38
